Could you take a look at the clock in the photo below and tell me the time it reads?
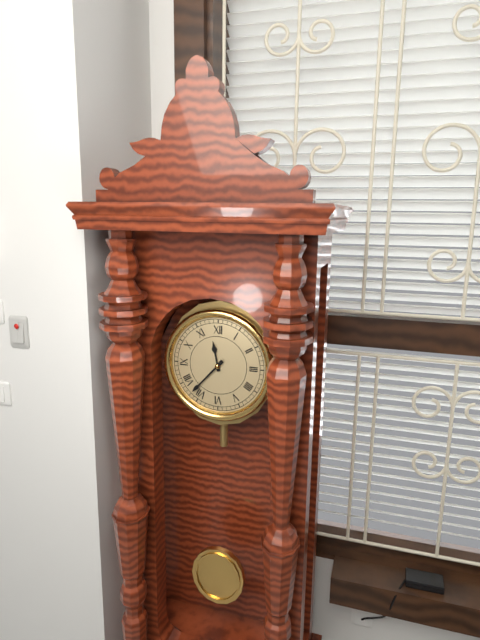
11:37
